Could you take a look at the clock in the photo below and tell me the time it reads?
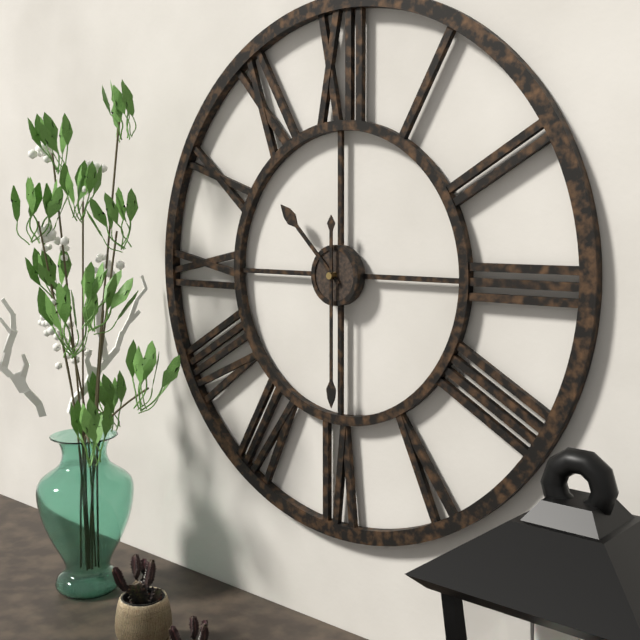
10:30
